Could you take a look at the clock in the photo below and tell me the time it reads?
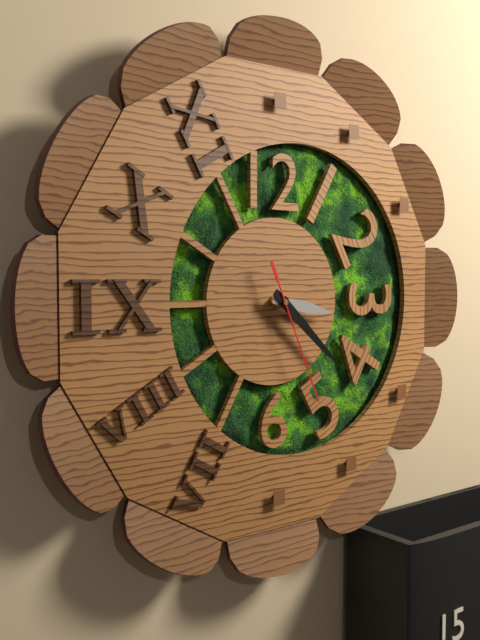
3:22:26
